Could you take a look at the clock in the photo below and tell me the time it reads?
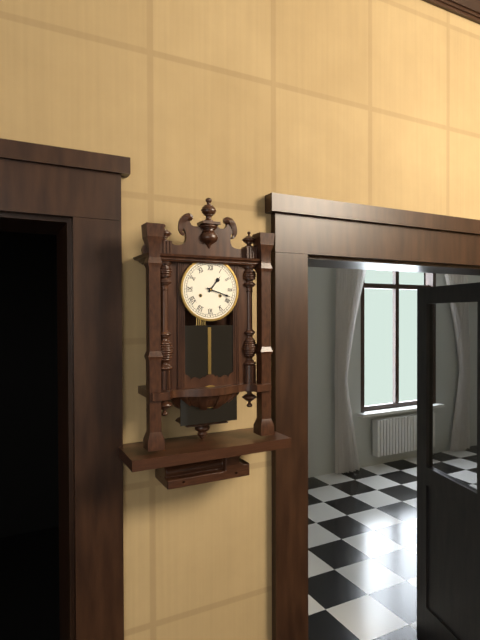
1:18
